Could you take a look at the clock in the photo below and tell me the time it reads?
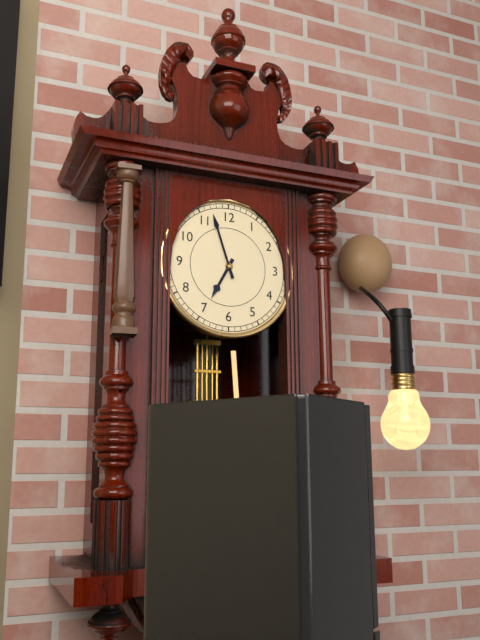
6:57
